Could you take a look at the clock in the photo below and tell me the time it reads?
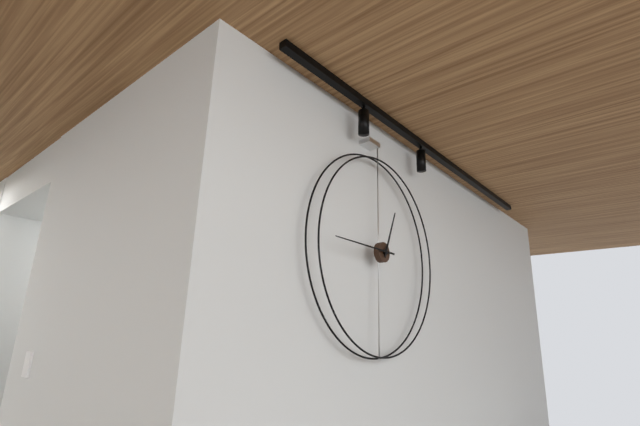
12:45
